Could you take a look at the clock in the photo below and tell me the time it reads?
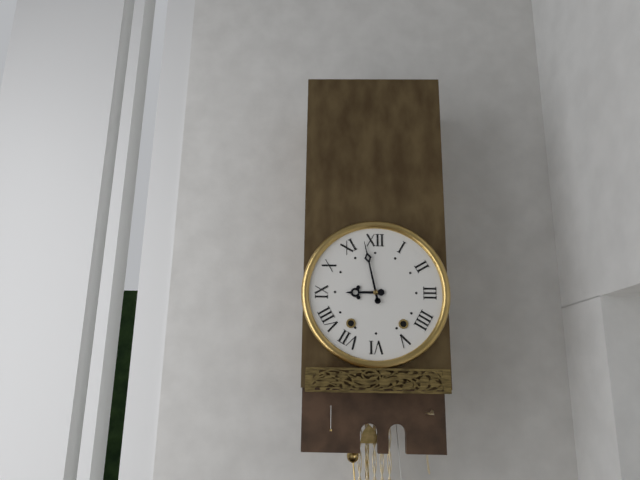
8:58
